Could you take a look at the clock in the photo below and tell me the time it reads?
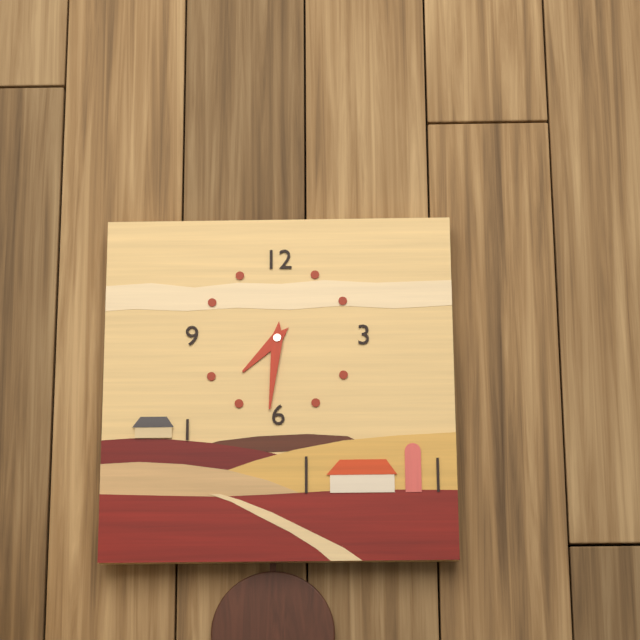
7:31
